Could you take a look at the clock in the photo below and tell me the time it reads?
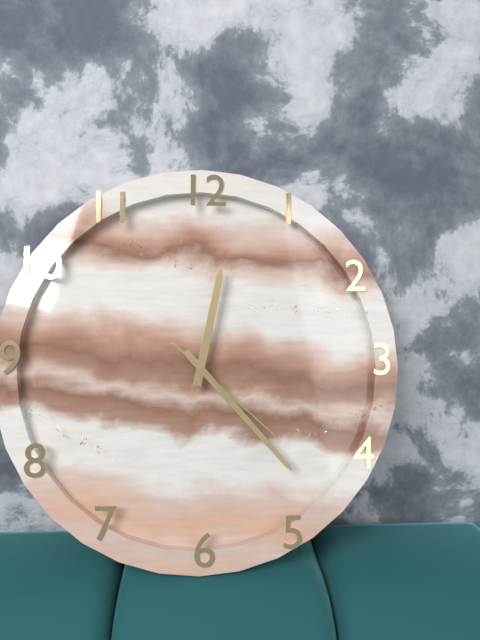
12:23:22
